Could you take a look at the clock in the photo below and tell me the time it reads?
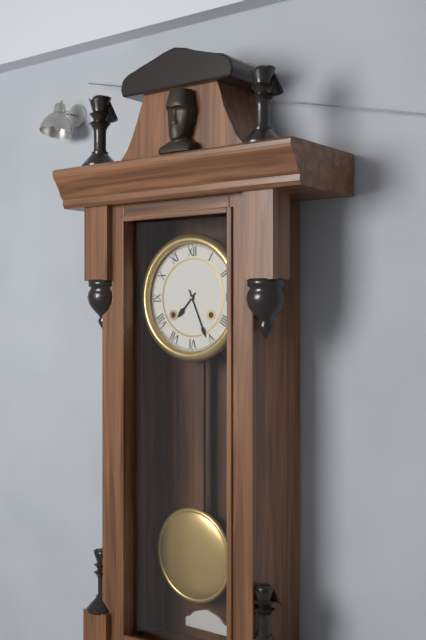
7:26
